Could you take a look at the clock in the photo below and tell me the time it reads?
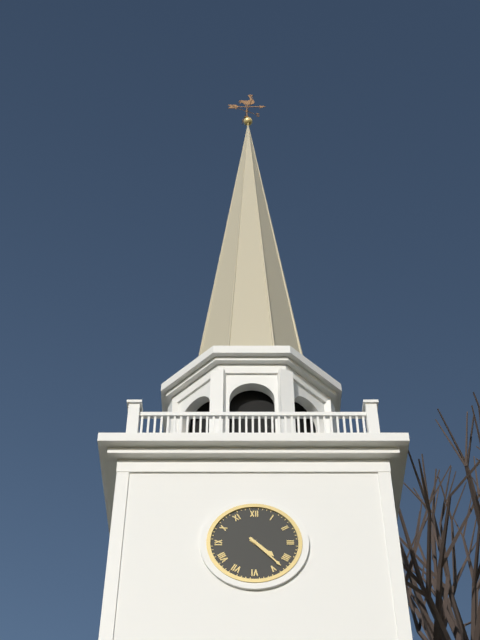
4:23
